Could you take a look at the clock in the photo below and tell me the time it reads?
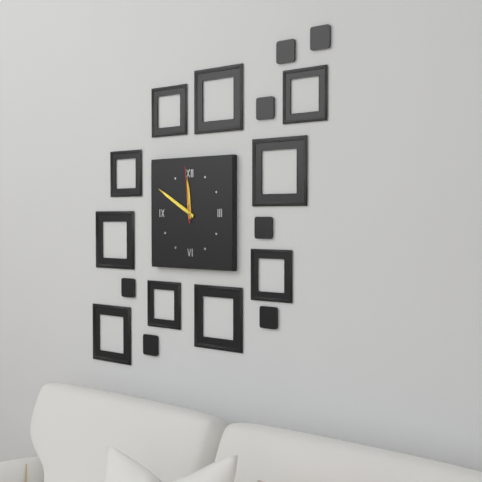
11:50:59
